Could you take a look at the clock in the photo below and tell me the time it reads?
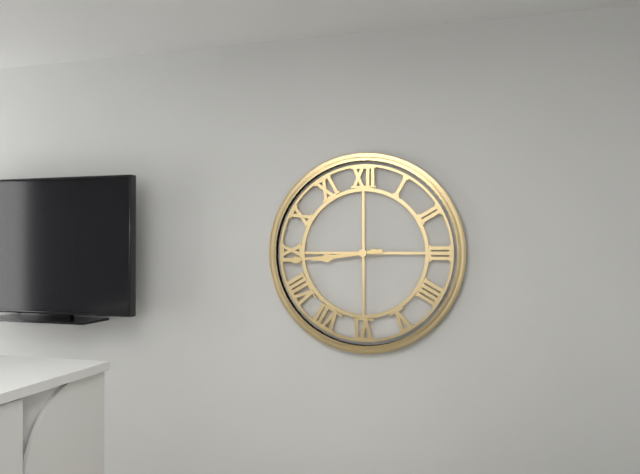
8:44
